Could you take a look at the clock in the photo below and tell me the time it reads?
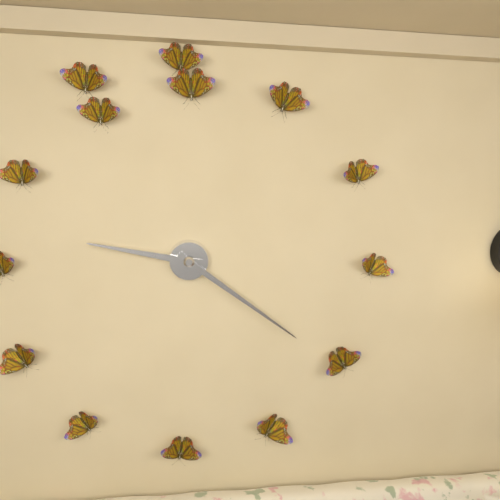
9:21
